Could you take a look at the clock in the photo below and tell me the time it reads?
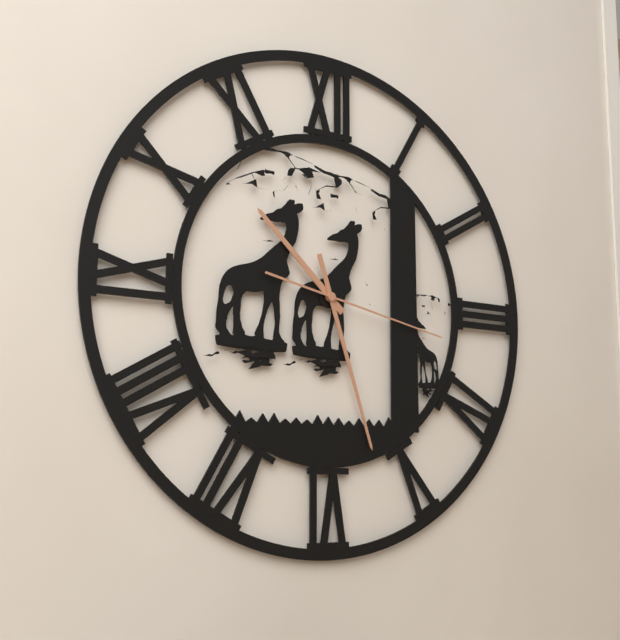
10:27:17
